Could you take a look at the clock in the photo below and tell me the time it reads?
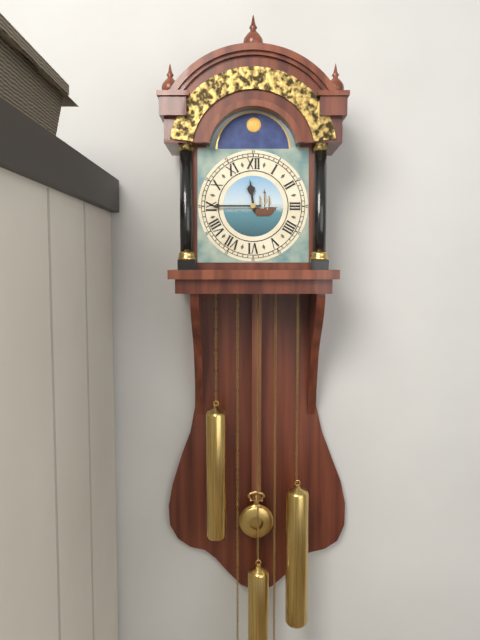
11:45
